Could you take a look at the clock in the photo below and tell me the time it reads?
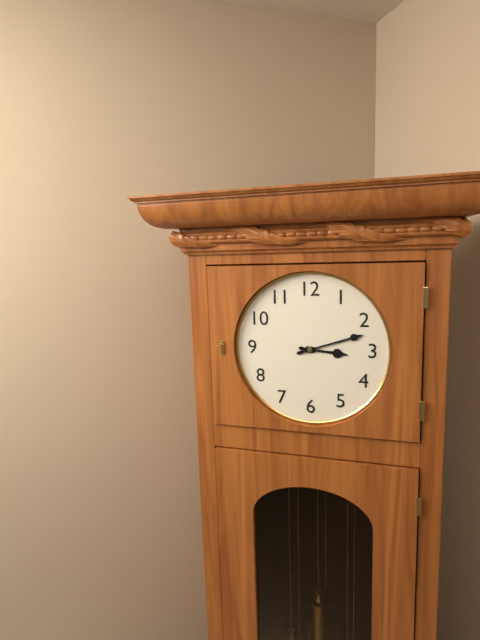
3:12
